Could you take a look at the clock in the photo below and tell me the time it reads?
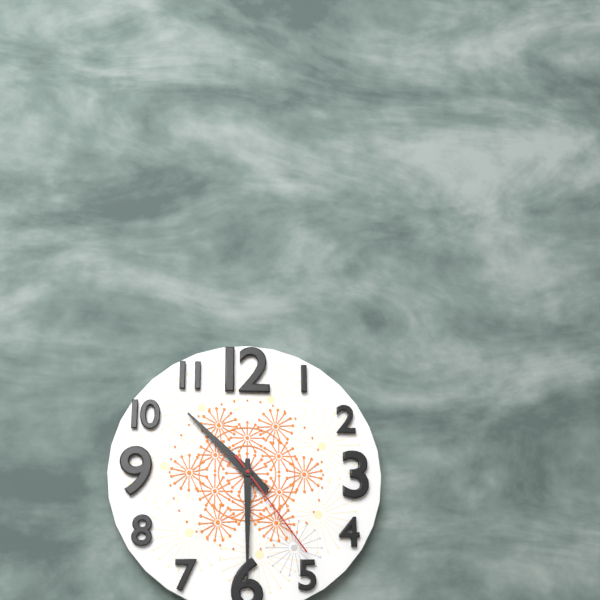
10:30:24
